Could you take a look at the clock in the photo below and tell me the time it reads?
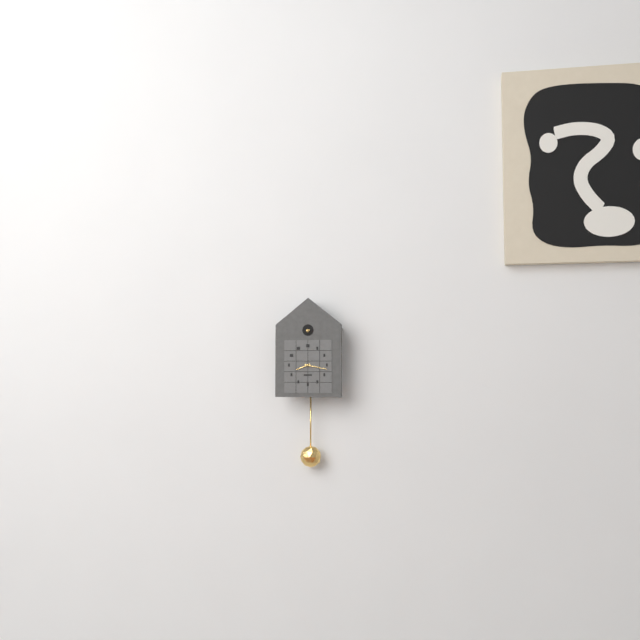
8:17
